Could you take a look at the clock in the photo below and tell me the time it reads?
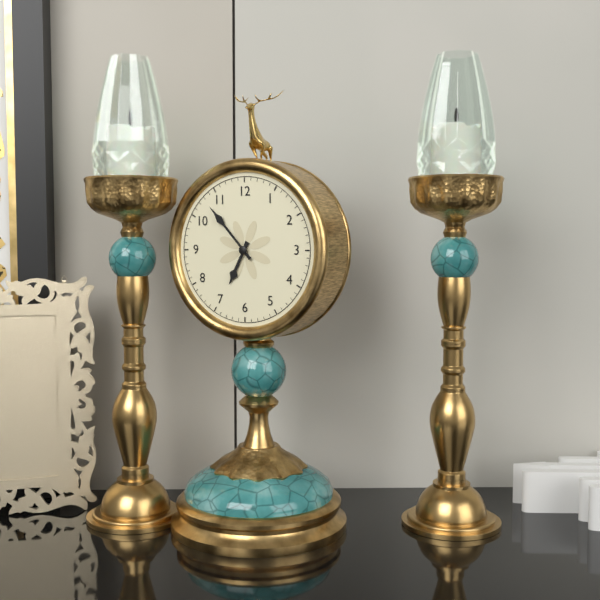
6:53
